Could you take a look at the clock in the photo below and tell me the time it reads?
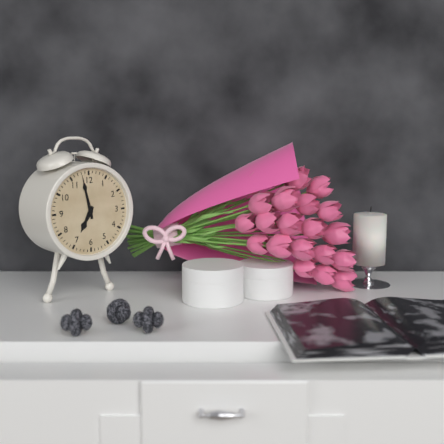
6:58
